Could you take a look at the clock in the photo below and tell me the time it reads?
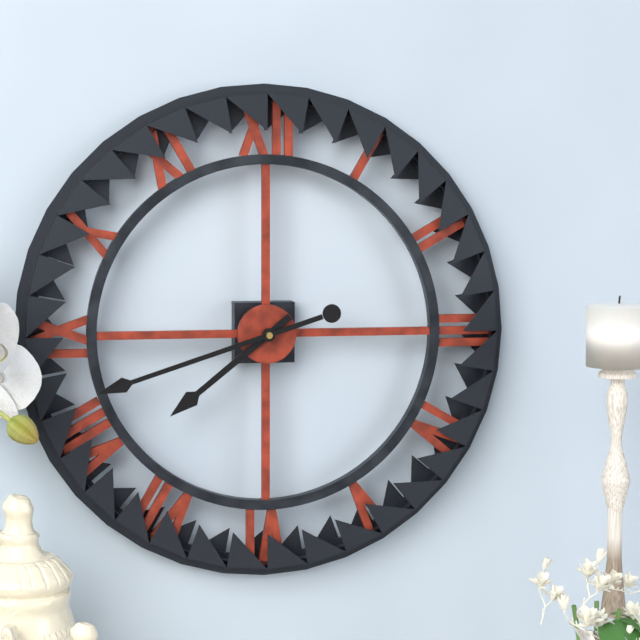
7:42
